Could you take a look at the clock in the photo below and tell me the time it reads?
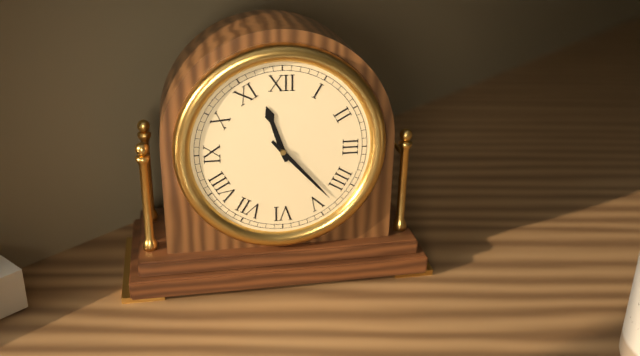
11:23
